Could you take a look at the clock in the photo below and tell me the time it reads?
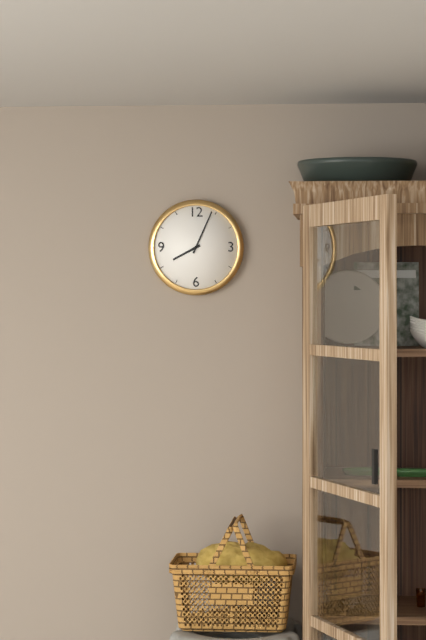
8:04
